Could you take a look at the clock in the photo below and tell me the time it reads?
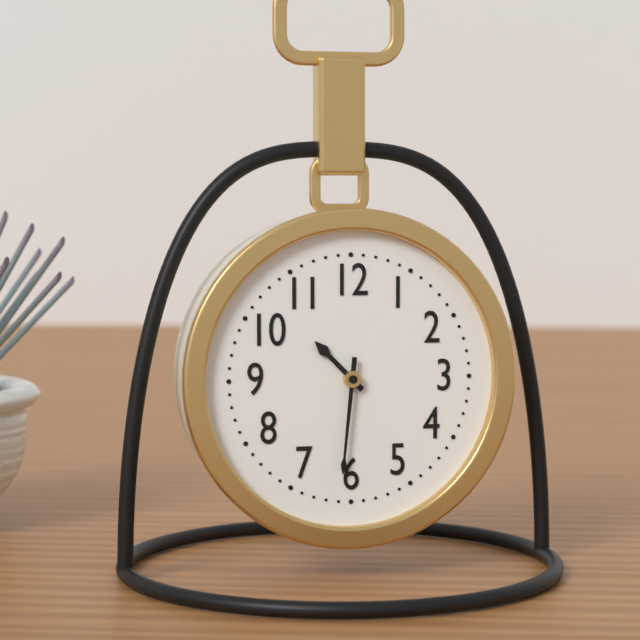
10:31
